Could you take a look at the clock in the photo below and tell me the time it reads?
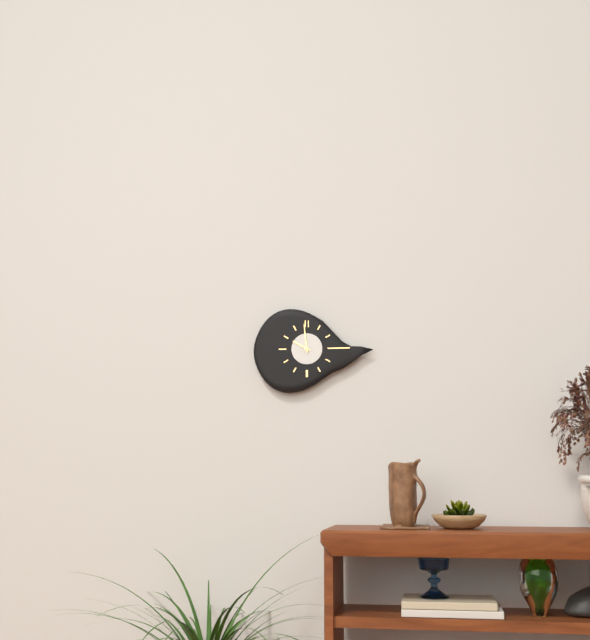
9:59
